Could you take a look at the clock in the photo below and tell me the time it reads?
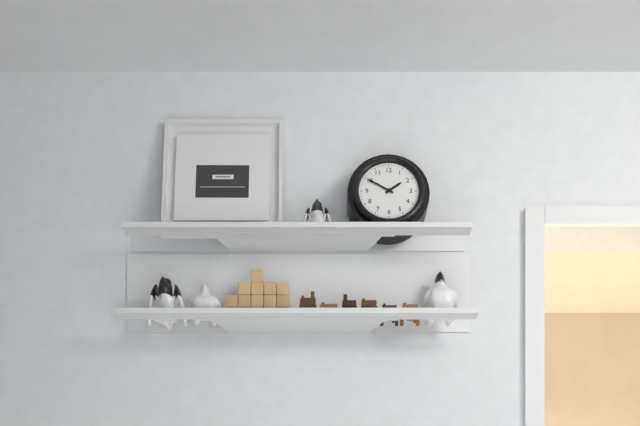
1:50
